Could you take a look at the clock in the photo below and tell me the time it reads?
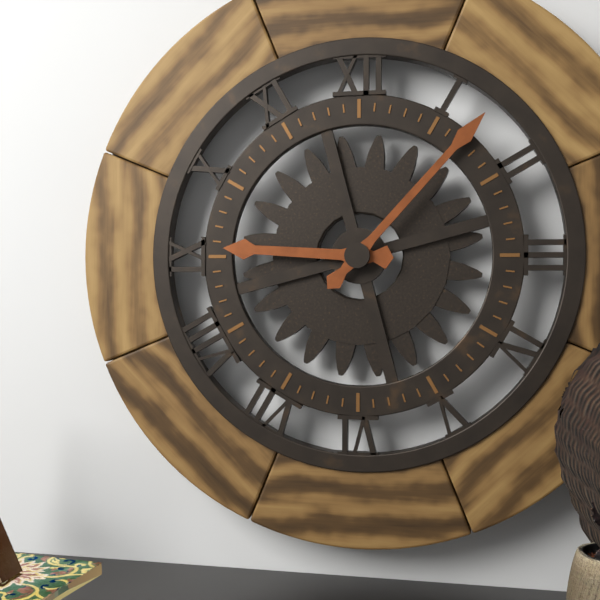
9:07
